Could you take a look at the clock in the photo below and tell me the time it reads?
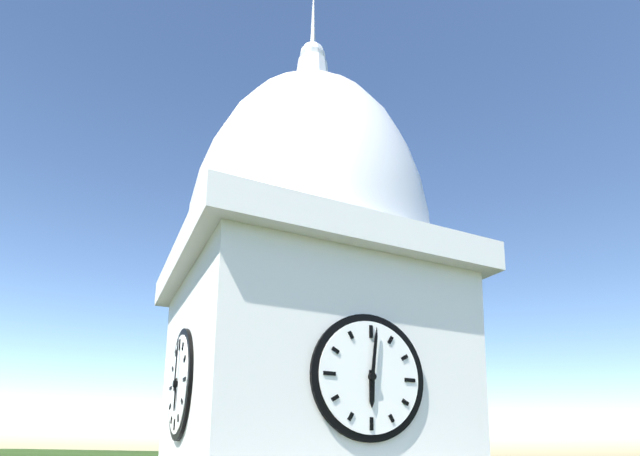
6:01
